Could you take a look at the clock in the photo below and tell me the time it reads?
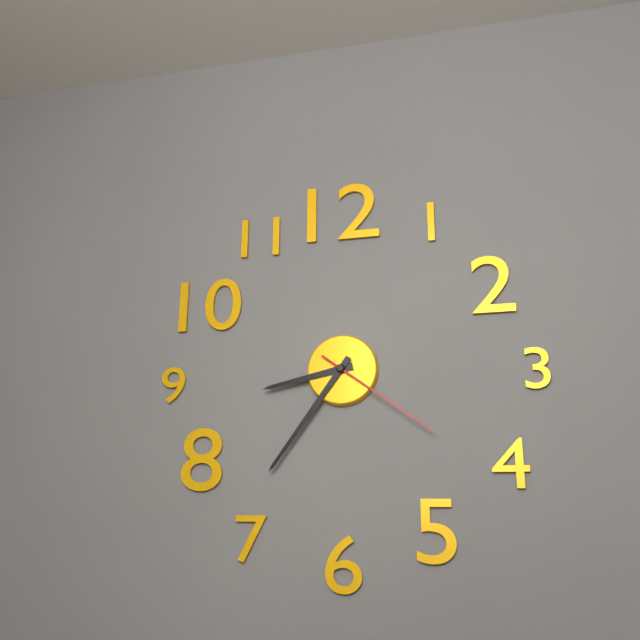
8:36:21
